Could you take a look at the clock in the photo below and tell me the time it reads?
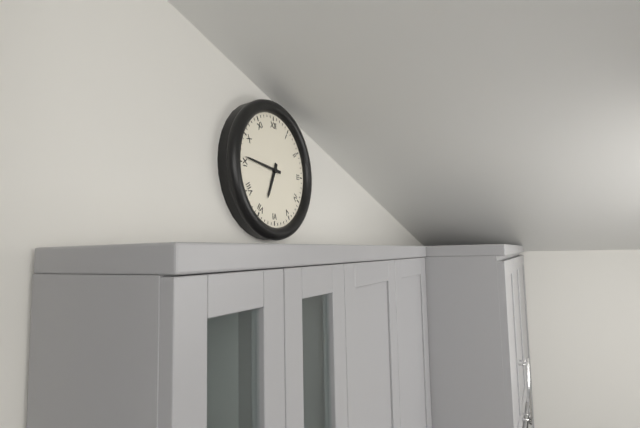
6:46
